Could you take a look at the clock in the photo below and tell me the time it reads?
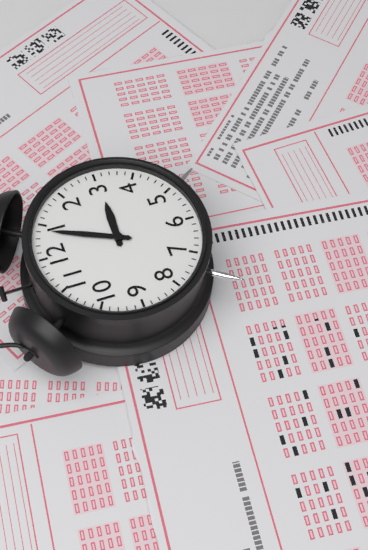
3:04
